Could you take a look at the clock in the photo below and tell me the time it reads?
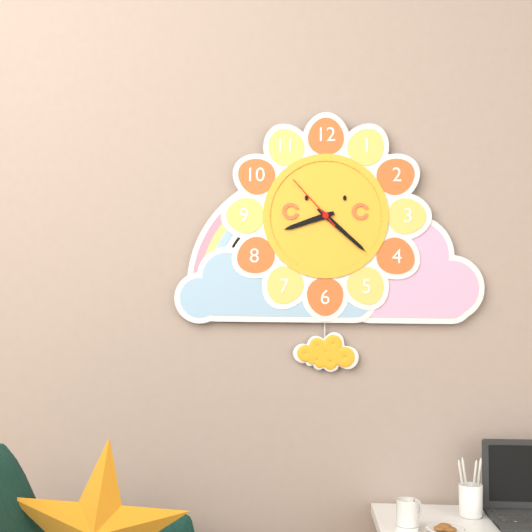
8:22:53
